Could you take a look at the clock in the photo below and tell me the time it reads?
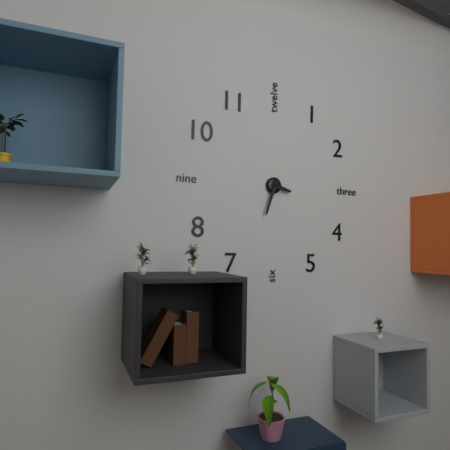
3:33
